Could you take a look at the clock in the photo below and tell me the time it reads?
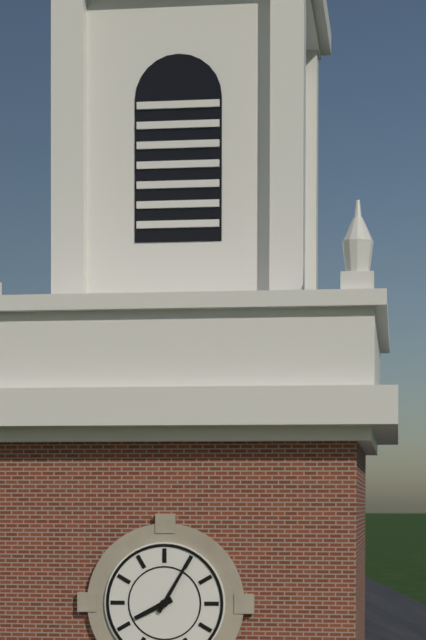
8:05
